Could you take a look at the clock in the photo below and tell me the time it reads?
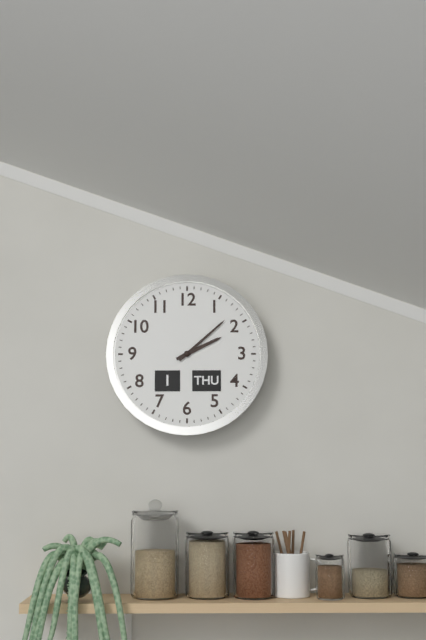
2:08
